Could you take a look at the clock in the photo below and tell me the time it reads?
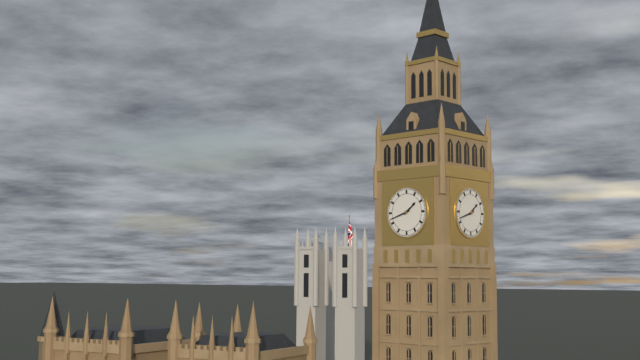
1:42
